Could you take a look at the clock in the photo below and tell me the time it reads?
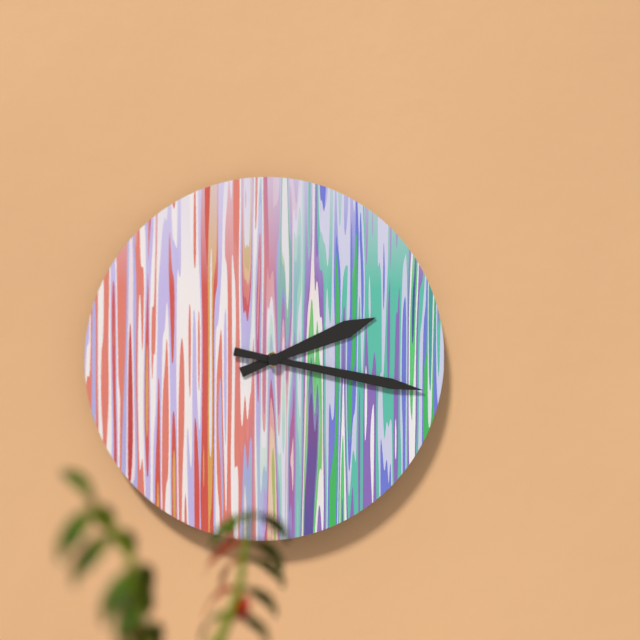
2:17
